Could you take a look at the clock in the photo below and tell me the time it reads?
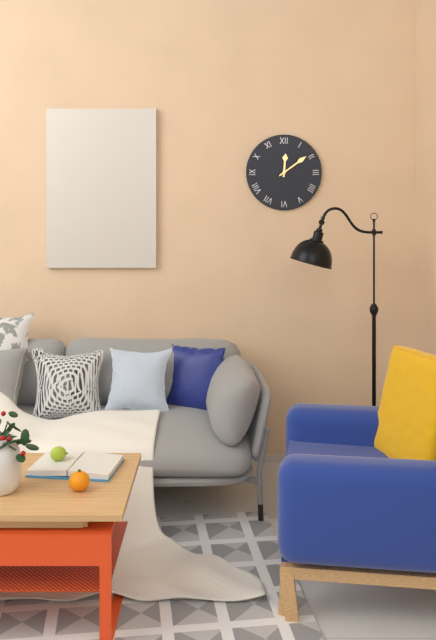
12:09
